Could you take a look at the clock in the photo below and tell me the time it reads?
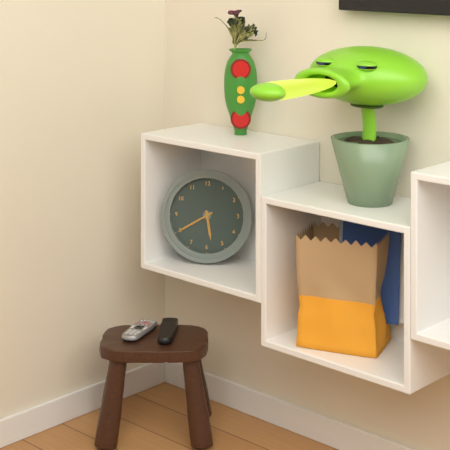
5:40
